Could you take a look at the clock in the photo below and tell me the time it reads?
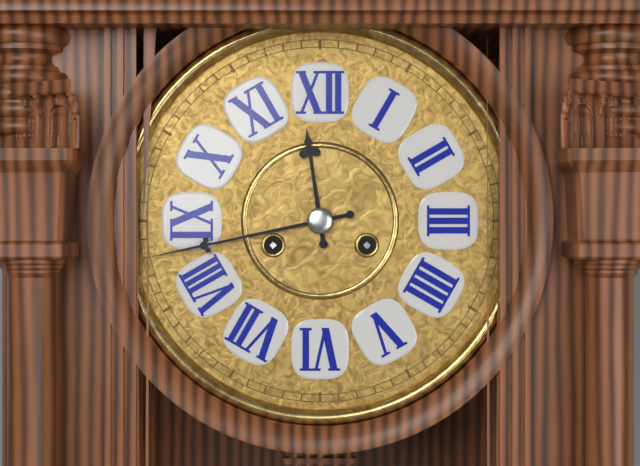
11:43
